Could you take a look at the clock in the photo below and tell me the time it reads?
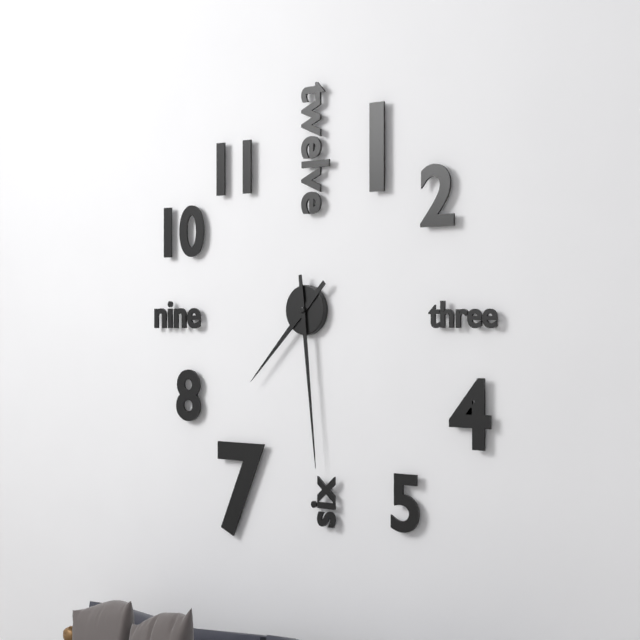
7:29
